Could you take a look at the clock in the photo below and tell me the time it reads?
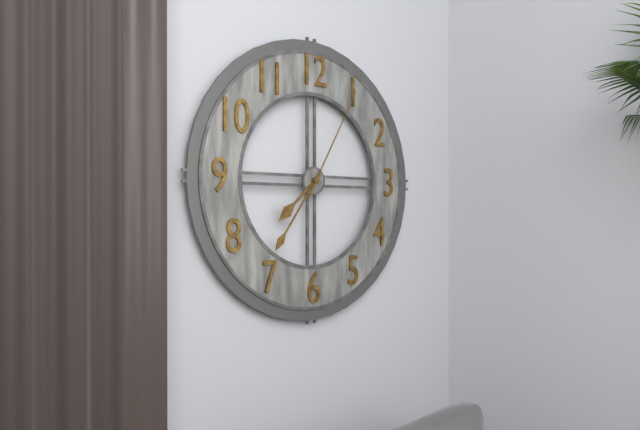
7:36:05
